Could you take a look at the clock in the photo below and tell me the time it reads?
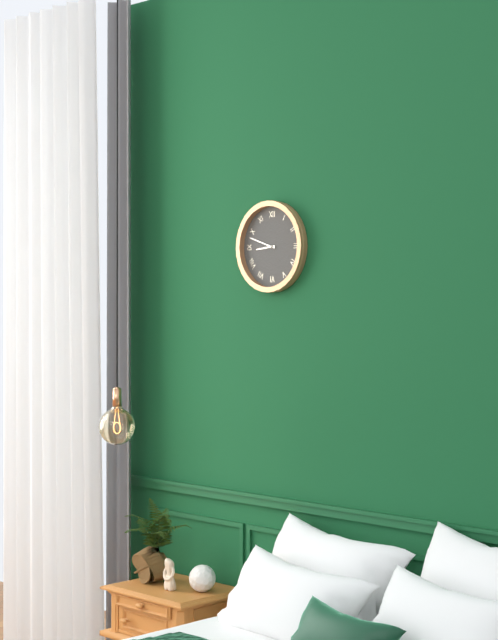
8:48
